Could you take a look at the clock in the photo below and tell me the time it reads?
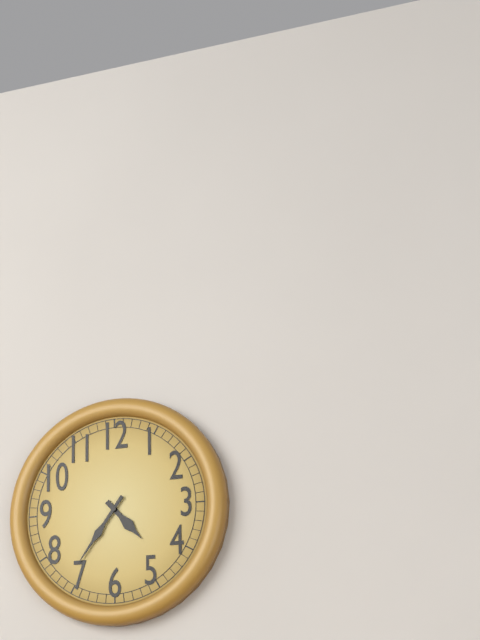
4:36
